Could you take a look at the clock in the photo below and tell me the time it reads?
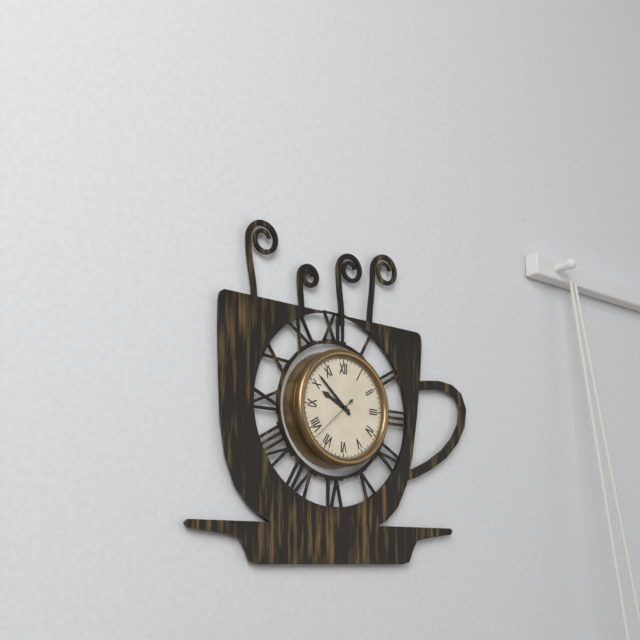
9:52:38
